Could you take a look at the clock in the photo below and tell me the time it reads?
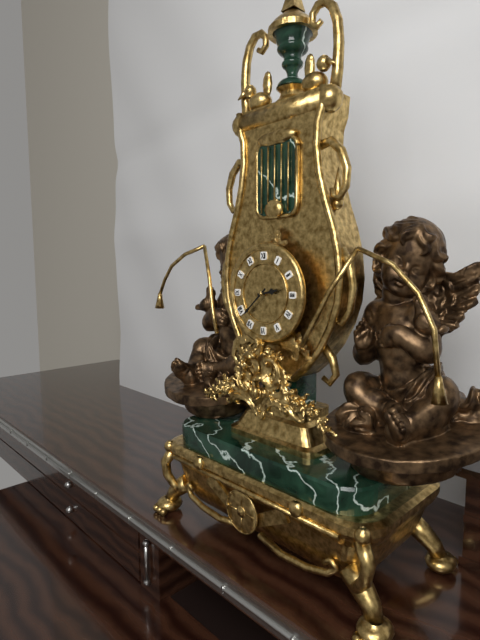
2:38
